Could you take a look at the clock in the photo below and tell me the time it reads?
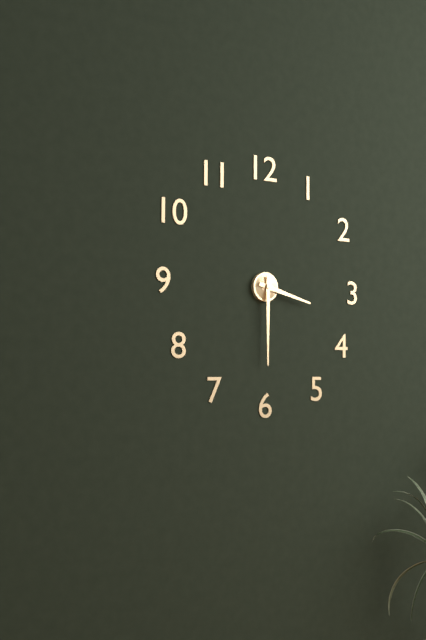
3:30
